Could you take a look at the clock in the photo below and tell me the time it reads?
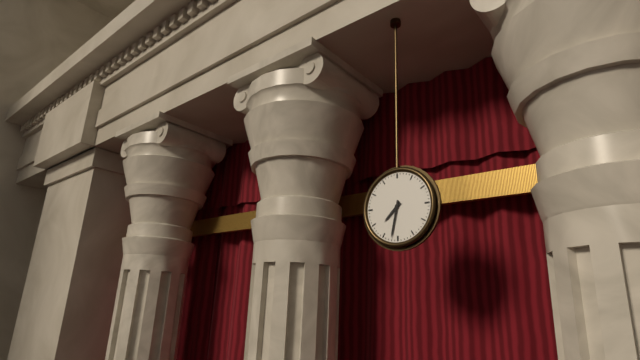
7:32
